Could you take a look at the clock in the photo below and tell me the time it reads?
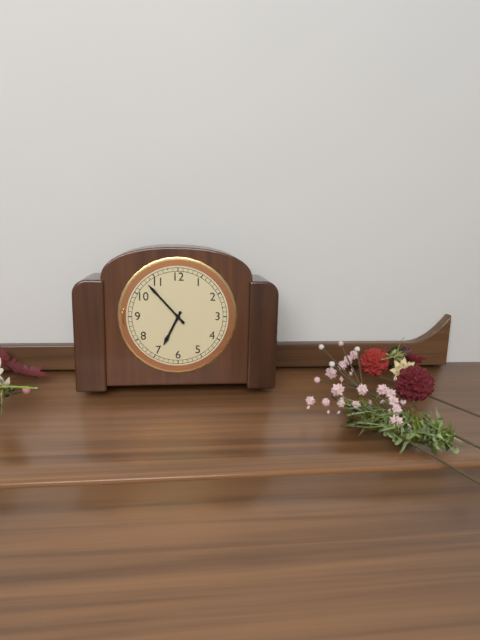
6:53
